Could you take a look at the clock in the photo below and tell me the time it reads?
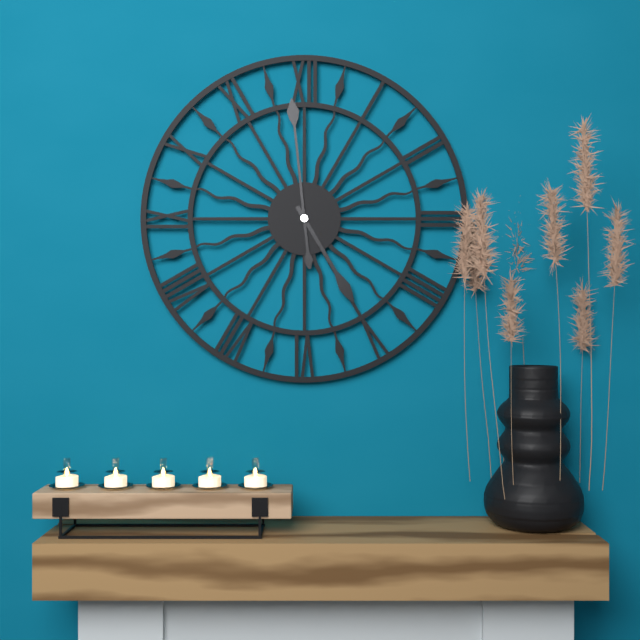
4:59
